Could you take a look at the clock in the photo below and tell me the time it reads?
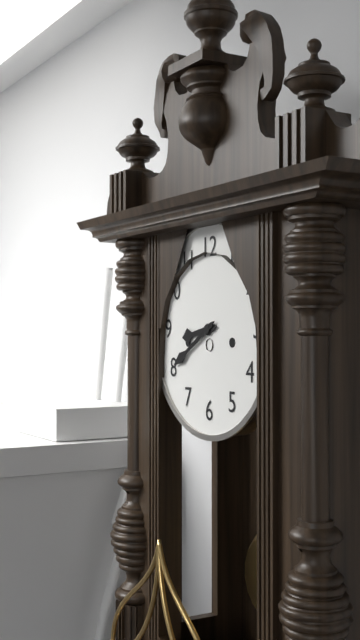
8:40
